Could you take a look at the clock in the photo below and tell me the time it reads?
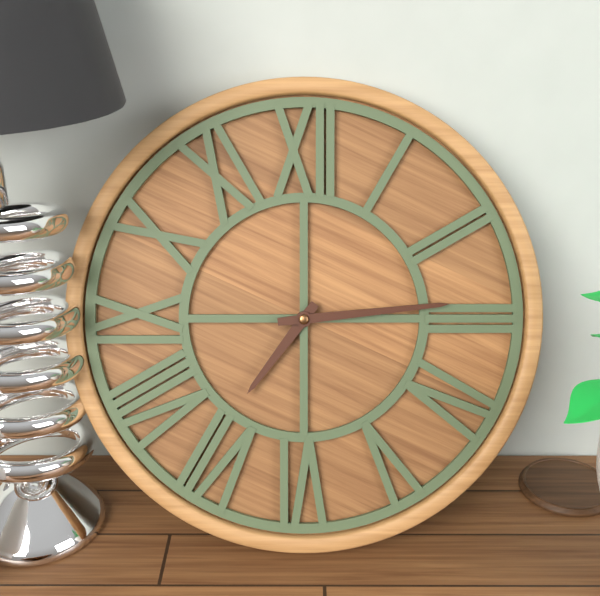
7:14
